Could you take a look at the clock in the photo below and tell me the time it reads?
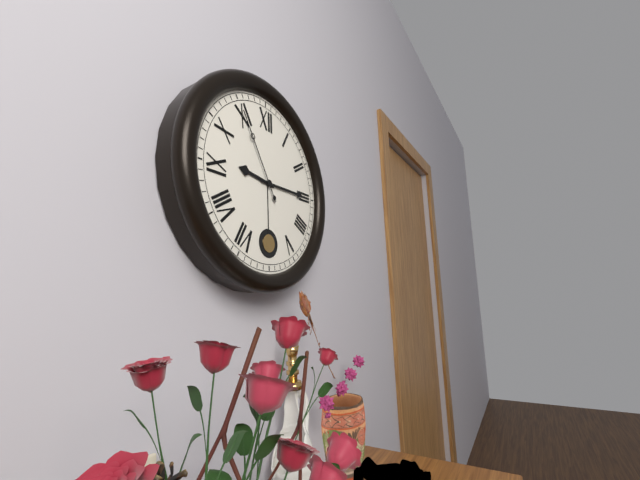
9:15:55
